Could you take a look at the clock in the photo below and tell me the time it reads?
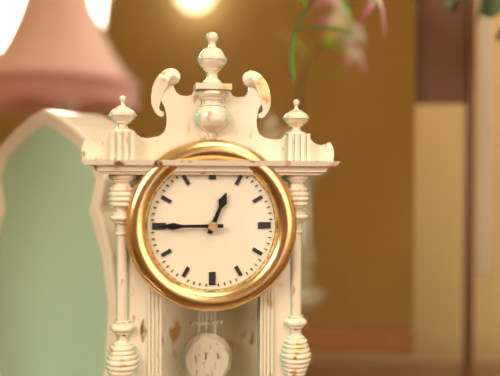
12:45
